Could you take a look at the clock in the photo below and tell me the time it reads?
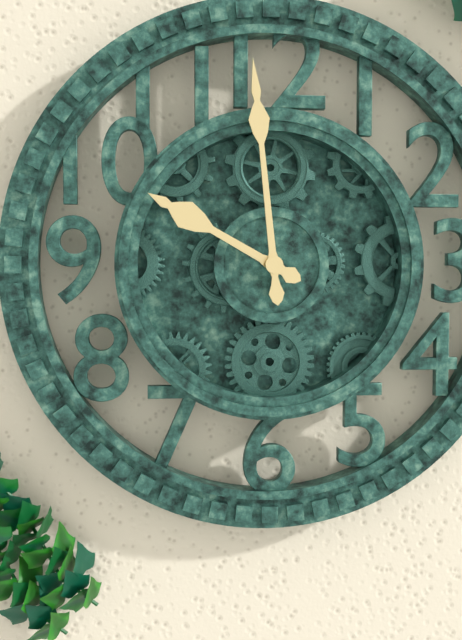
9:59
